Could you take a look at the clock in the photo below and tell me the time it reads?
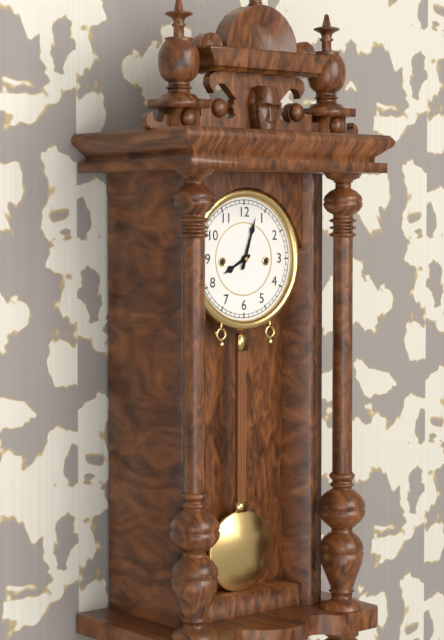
8:03
